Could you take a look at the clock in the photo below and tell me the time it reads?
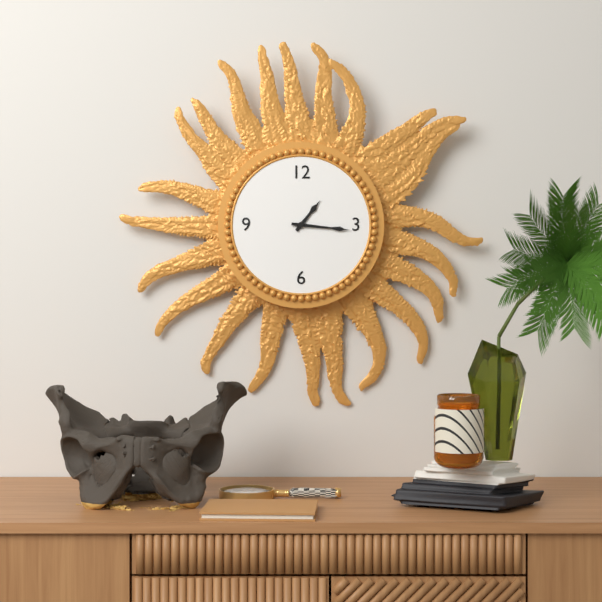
1:16
